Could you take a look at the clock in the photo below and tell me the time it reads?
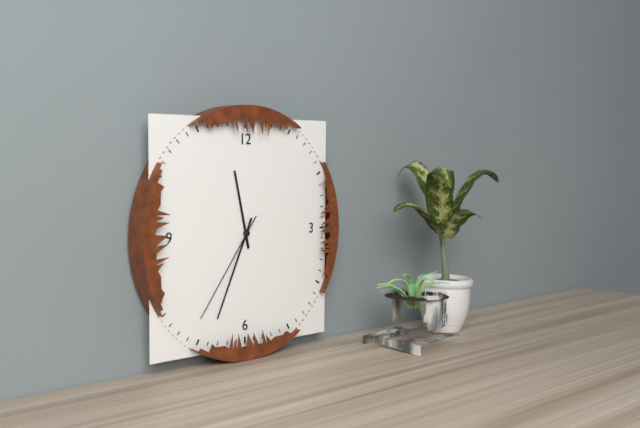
11:34:36
